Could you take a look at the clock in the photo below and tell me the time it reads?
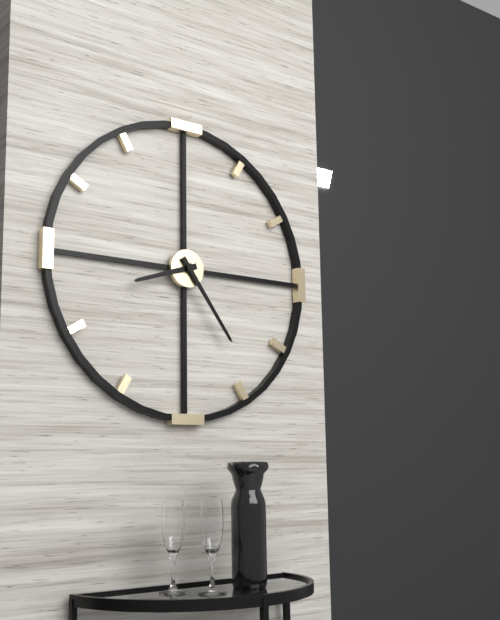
8:24
